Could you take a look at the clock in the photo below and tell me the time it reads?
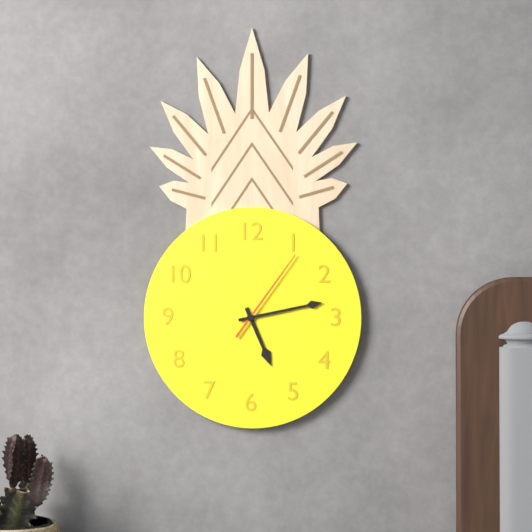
5:13:06
